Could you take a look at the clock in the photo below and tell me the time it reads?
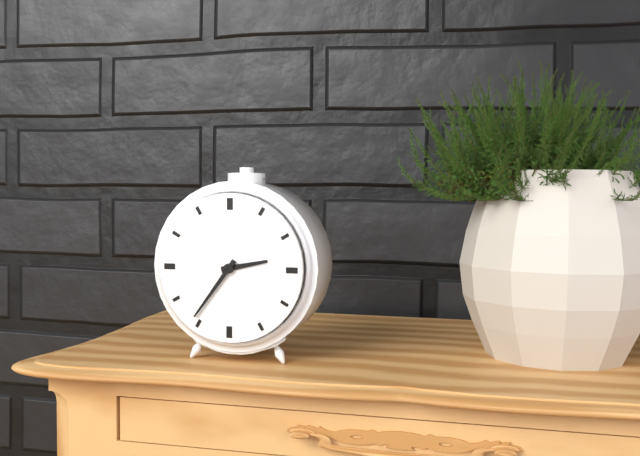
2:36
